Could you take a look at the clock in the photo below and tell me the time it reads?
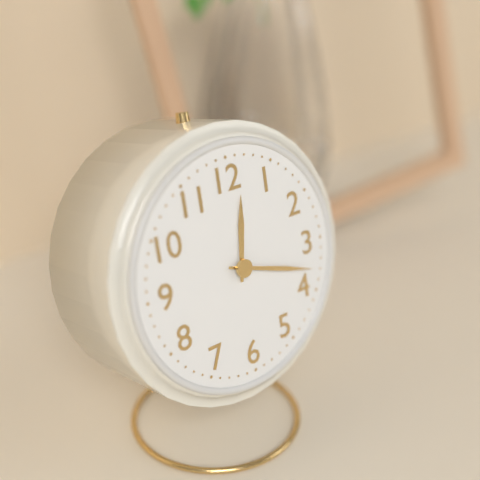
12:18
